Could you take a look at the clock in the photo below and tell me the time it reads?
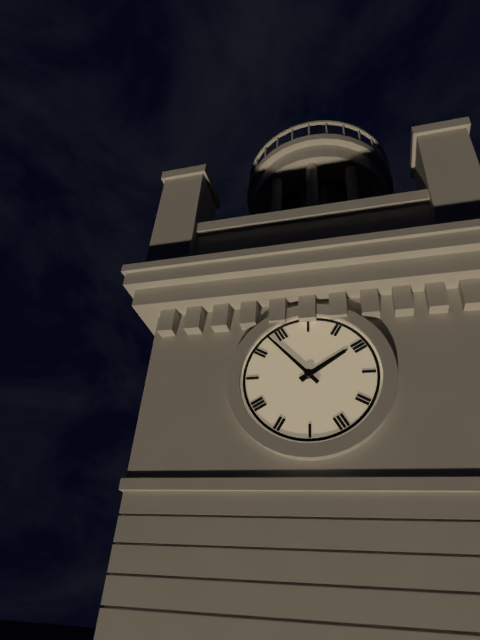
1:53
